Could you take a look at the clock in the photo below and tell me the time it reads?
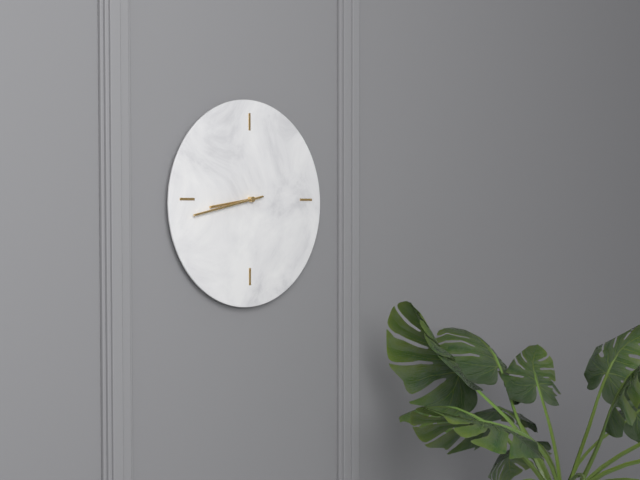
8:43
